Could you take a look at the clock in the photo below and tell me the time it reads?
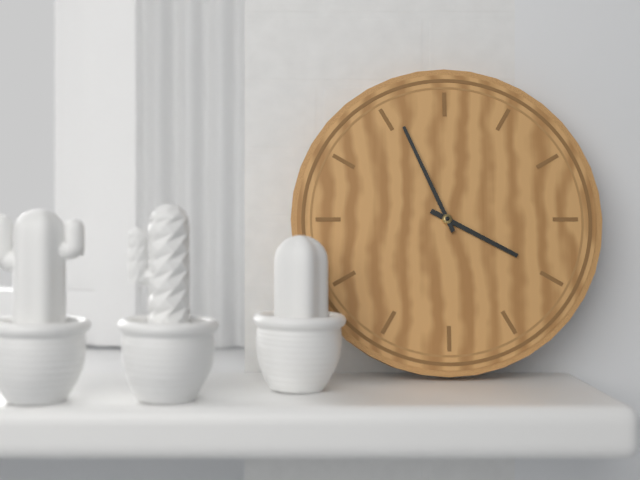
3:56
